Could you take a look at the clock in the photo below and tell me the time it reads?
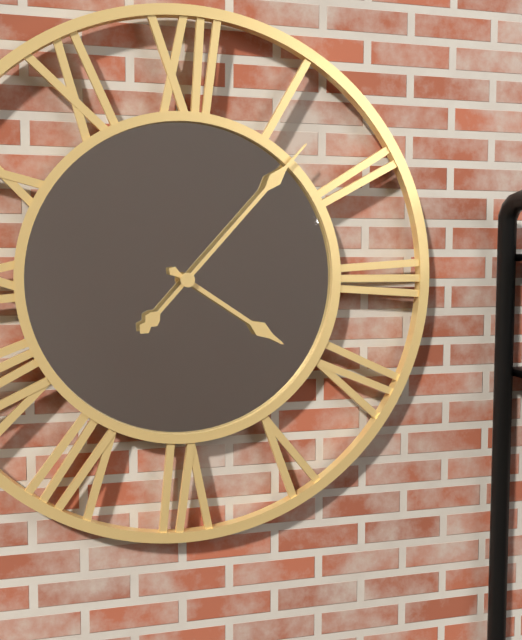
4:07
